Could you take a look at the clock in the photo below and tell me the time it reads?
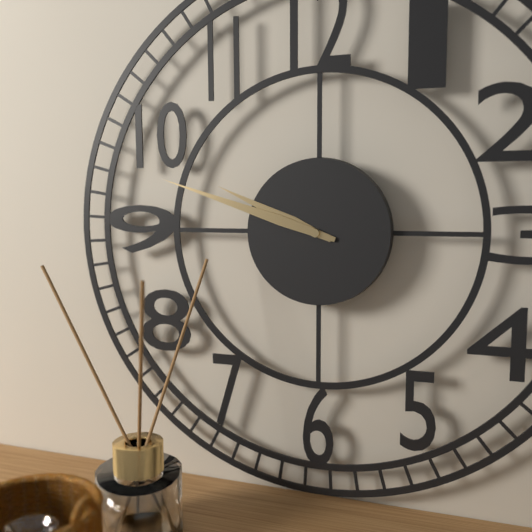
9:48
